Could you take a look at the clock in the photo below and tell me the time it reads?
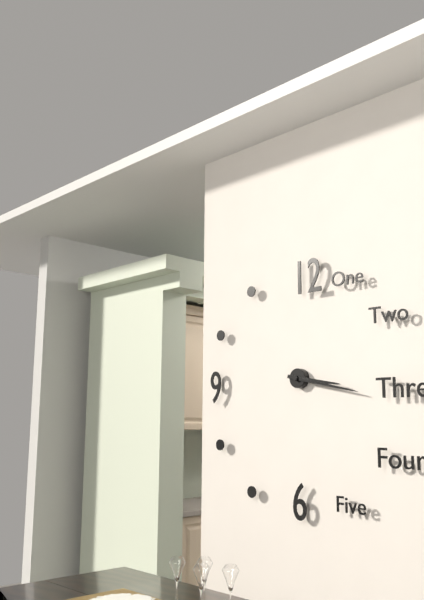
3:17
